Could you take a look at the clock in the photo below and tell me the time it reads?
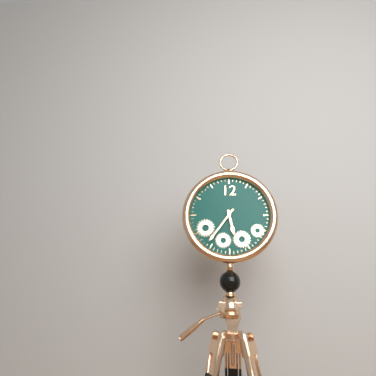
5:36
